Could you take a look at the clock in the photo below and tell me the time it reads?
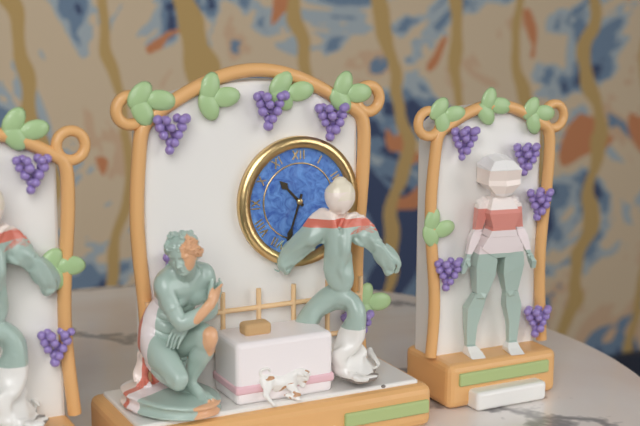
10:33
